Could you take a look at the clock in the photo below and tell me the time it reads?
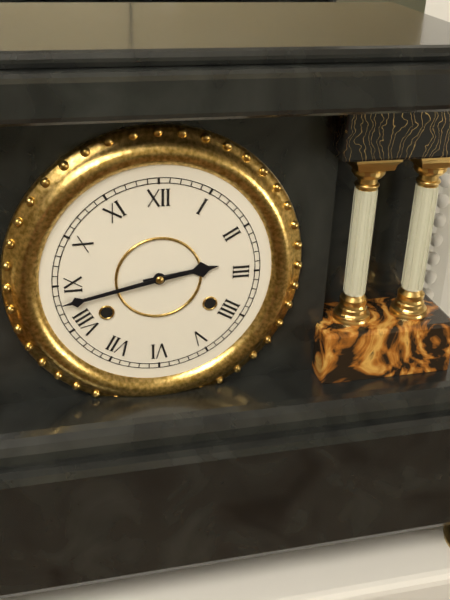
2:43
